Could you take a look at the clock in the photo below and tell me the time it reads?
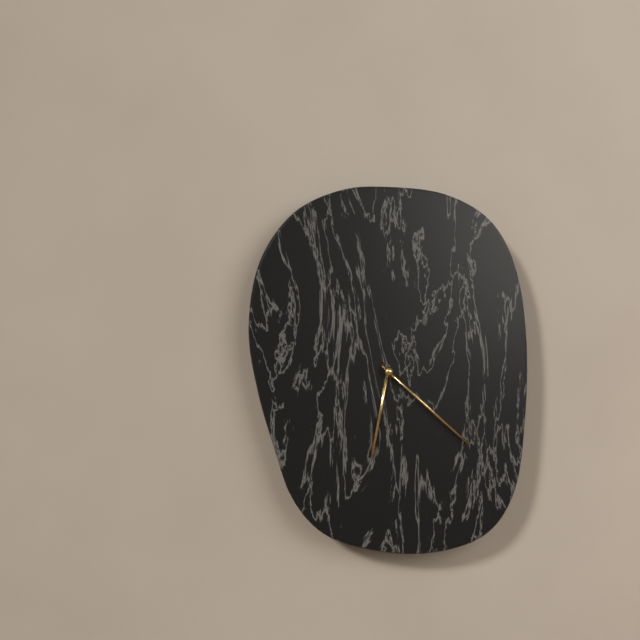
6:22
